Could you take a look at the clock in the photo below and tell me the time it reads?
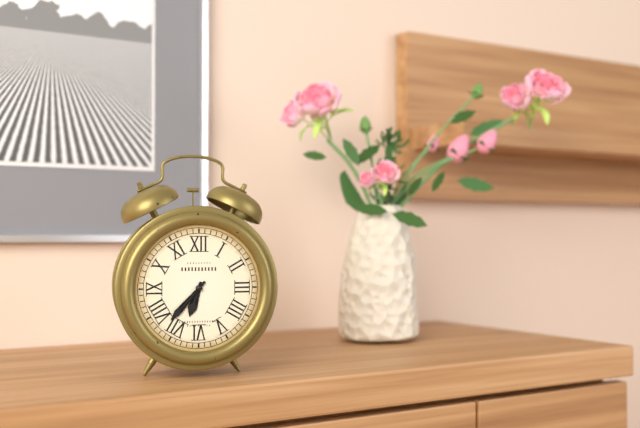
6:37
